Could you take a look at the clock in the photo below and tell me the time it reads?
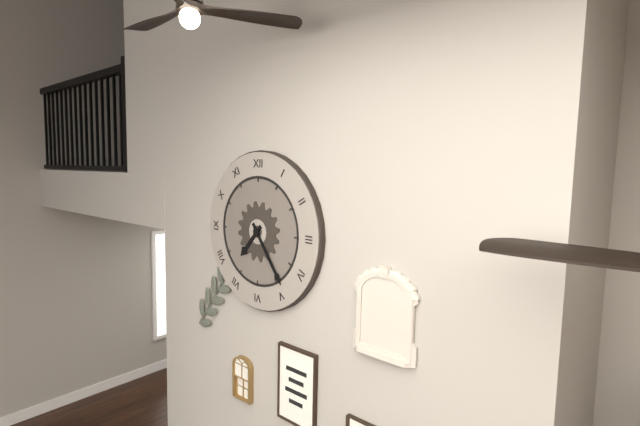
7:24
